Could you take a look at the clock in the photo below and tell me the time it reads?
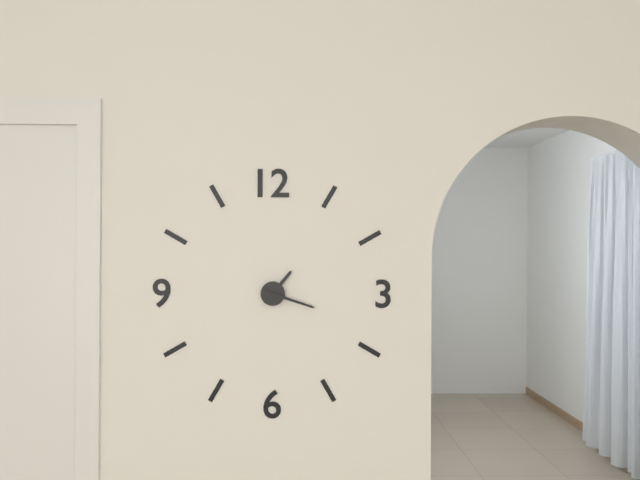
1:18
